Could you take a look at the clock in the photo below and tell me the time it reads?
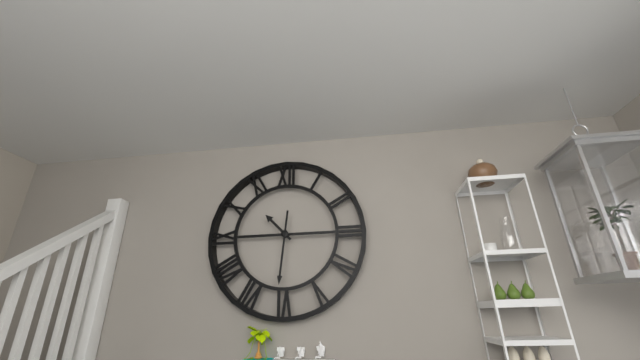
10:31
